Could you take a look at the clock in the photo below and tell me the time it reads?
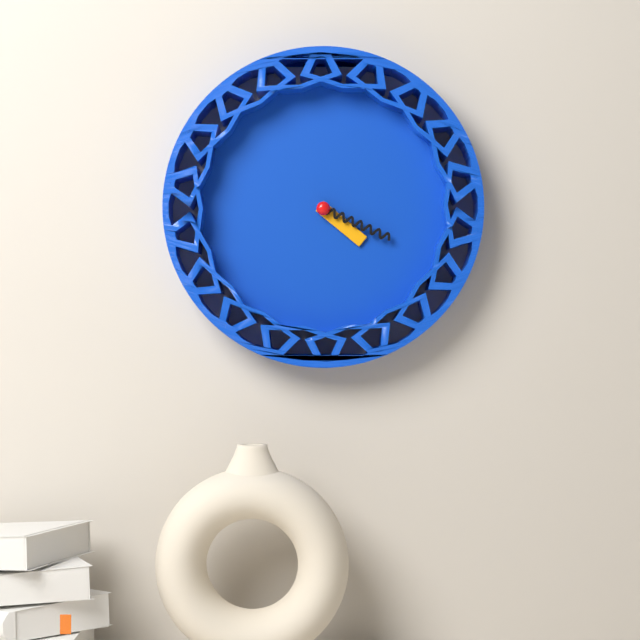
4:19
